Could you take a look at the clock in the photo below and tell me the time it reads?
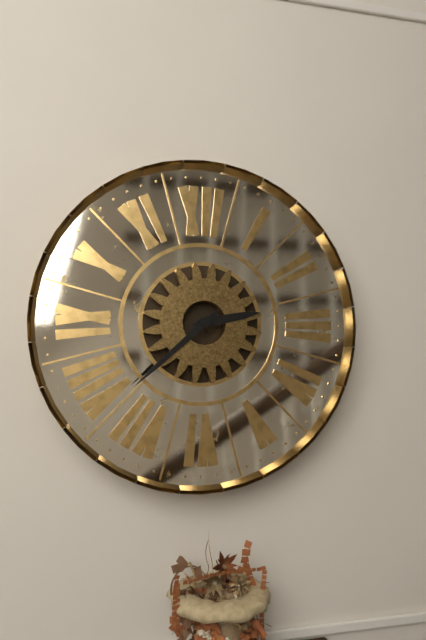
2:38
